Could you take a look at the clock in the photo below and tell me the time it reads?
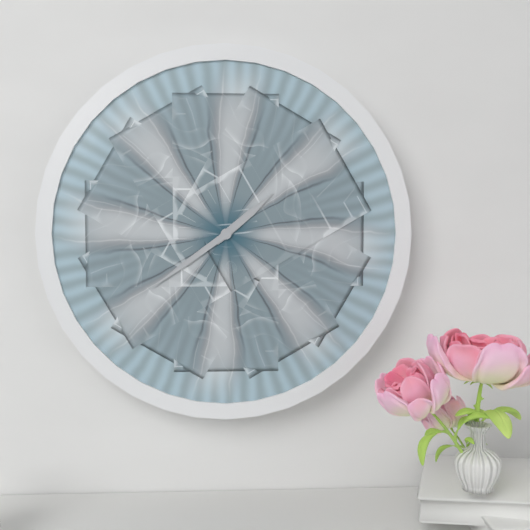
1:39
